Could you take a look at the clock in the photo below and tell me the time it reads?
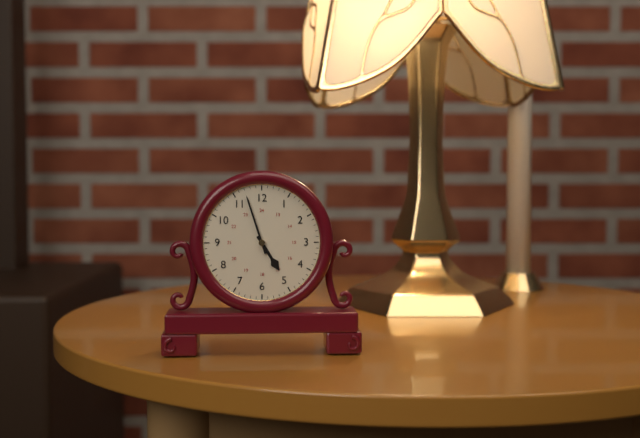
4:57
